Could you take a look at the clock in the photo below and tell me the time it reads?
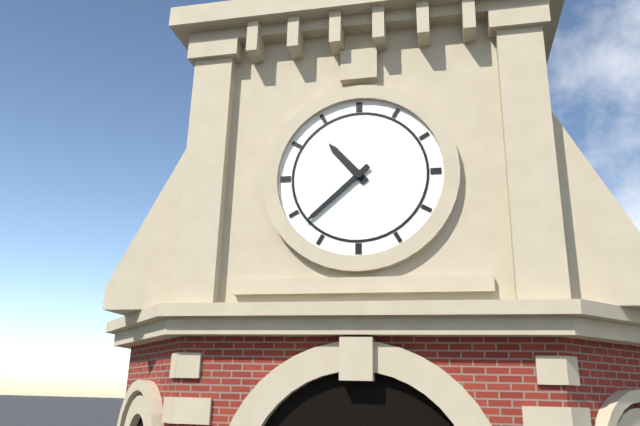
10:38
